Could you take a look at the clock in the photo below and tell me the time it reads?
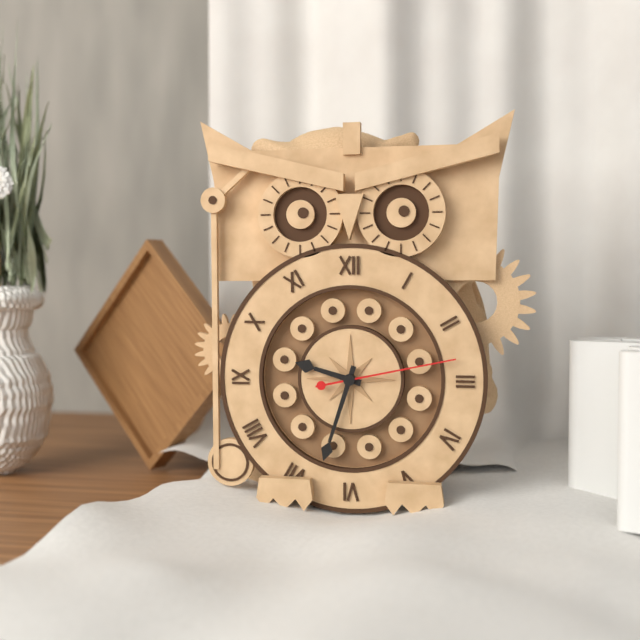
9:33:13
